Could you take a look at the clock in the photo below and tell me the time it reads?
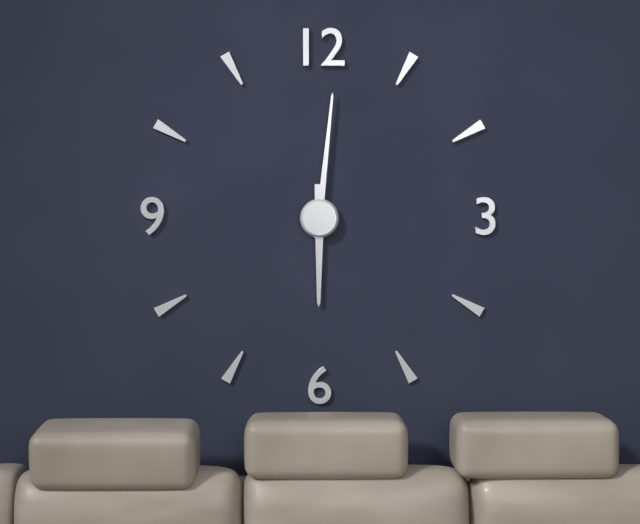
6:01
